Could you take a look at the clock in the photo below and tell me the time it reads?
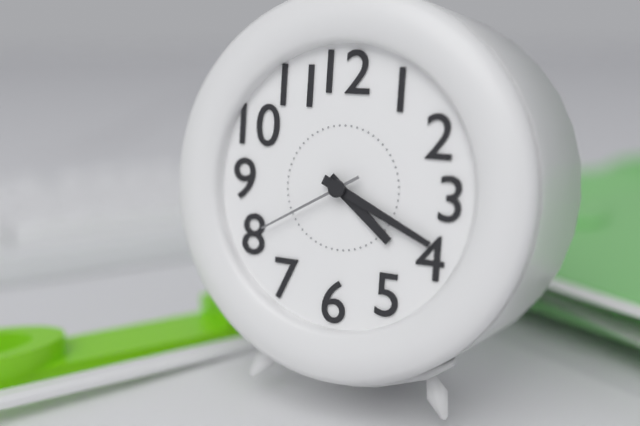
4:19:40
